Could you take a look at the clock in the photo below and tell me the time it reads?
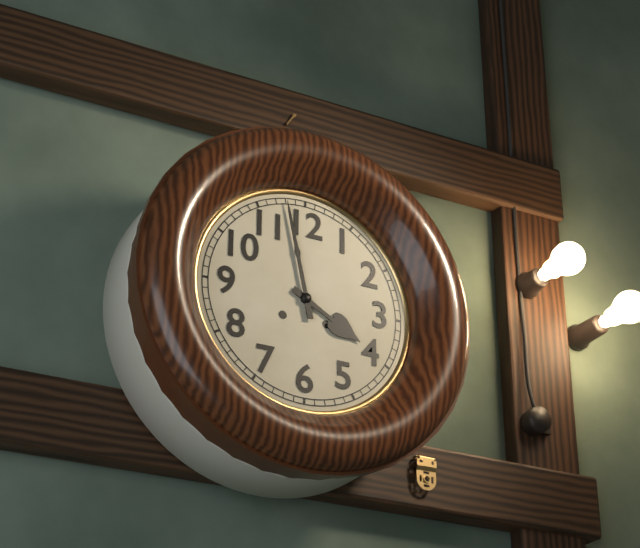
3:58
